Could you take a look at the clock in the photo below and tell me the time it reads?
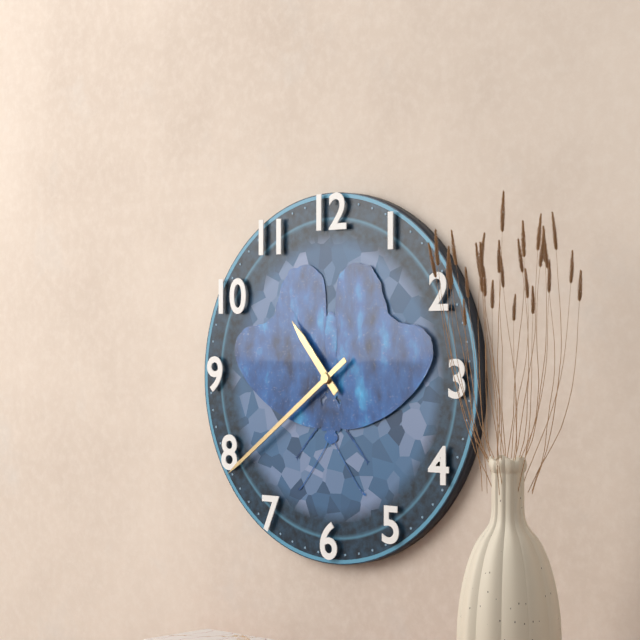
10:39
